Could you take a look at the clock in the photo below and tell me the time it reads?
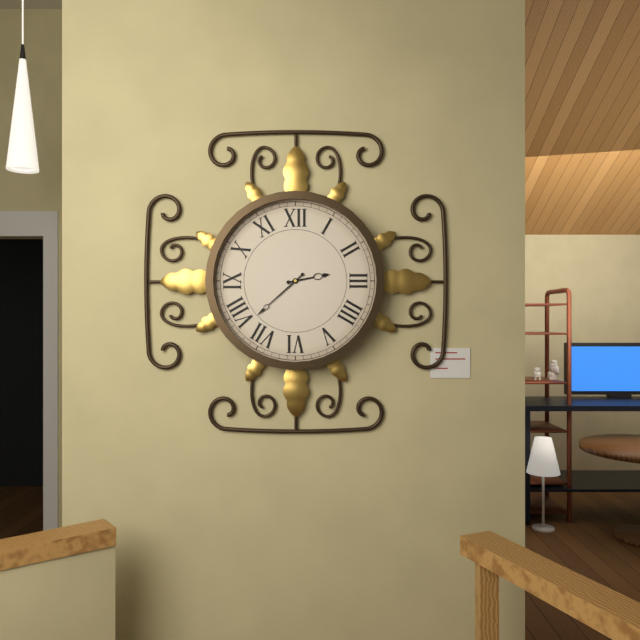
2:38
